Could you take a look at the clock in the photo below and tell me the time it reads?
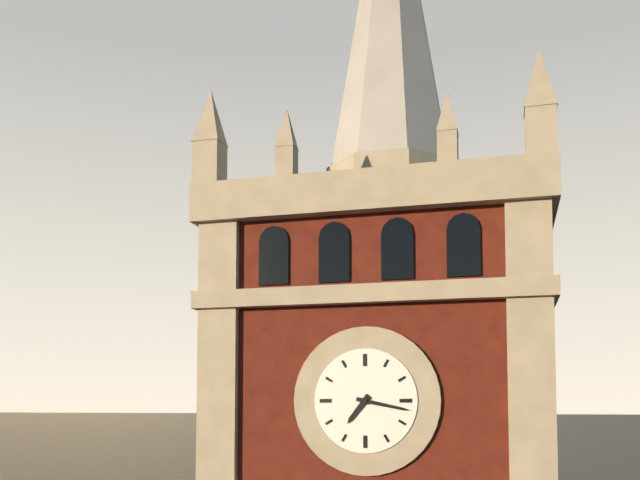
7:17
